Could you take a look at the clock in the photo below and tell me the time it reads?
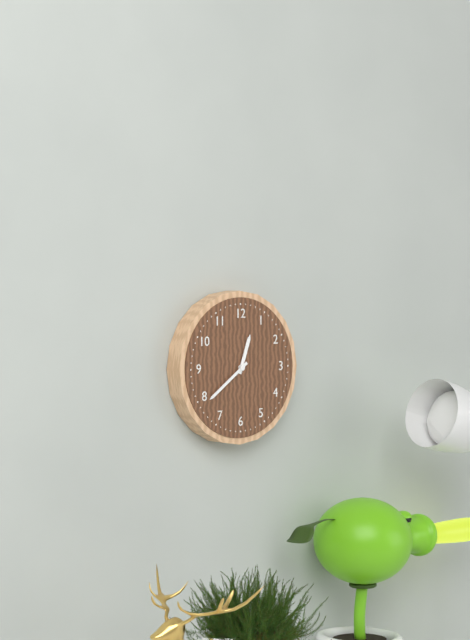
12:39
